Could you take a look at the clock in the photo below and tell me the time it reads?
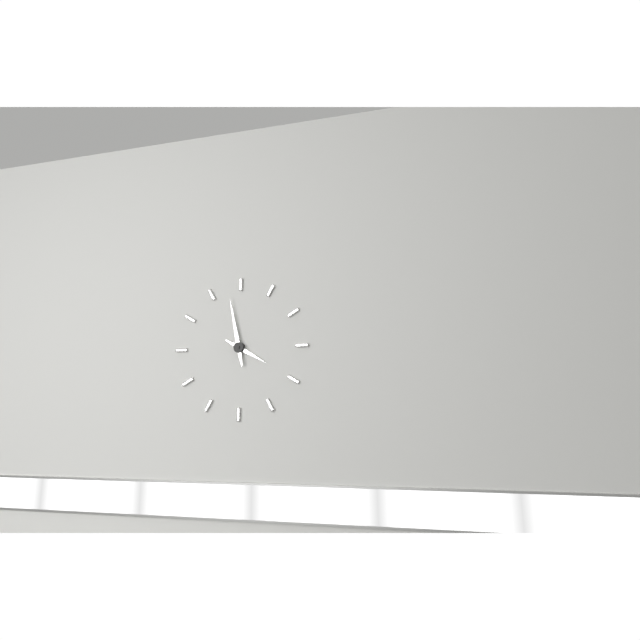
3:58
